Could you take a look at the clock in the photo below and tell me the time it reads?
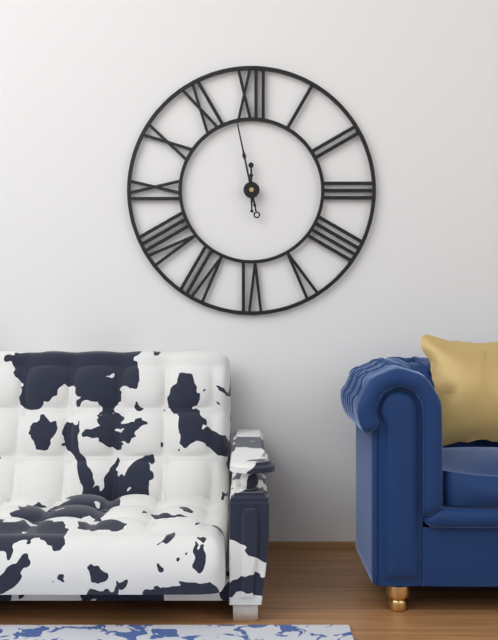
11:58
